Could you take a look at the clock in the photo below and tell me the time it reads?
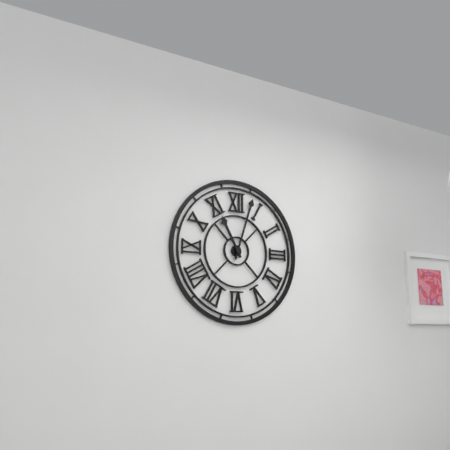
11:03
